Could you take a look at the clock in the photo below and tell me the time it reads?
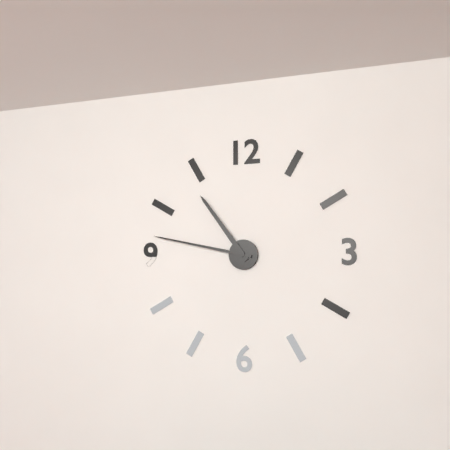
10:47
